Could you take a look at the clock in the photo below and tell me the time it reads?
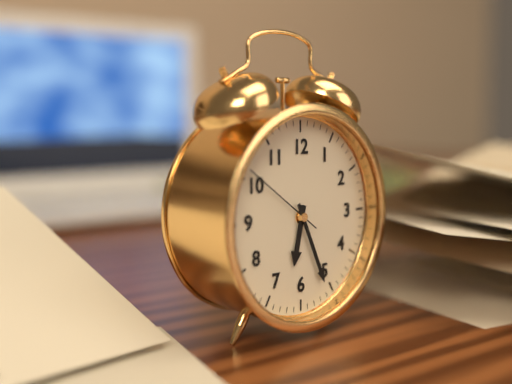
6:26:51
